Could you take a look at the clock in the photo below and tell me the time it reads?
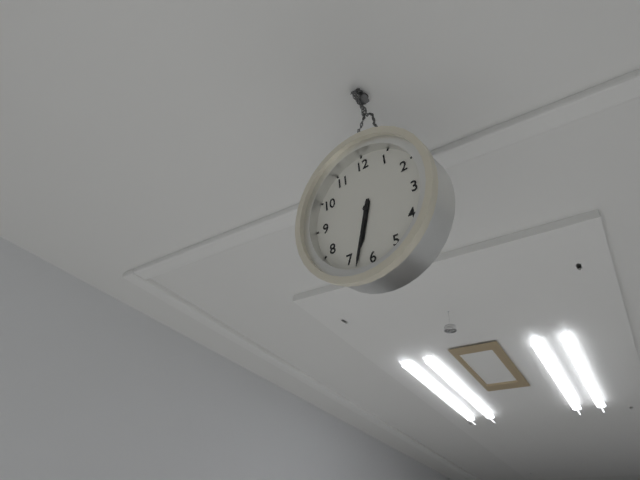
6:33
